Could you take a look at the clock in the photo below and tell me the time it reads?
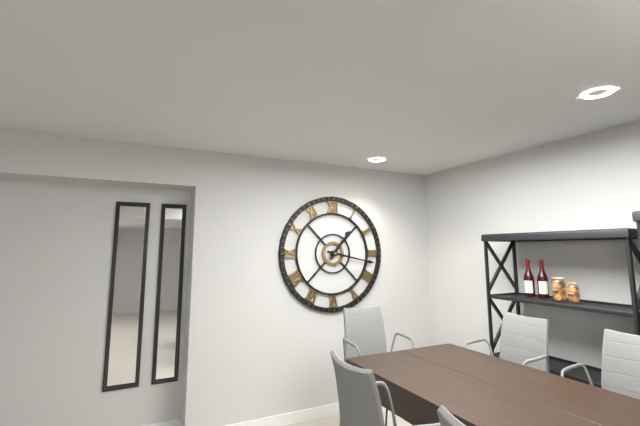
1:17
